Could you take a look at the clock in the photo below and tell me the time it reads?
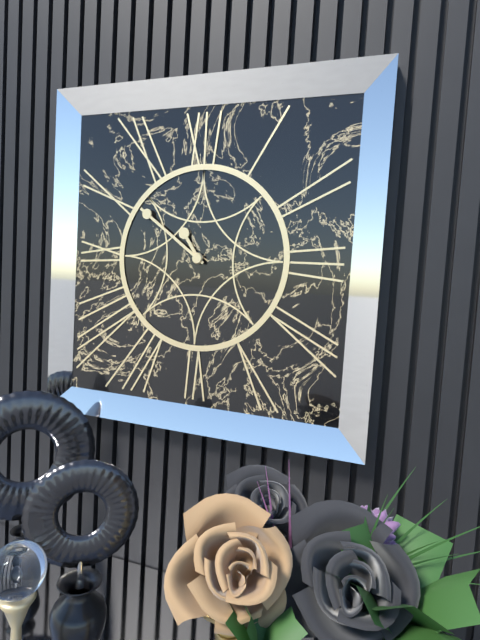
10:51
